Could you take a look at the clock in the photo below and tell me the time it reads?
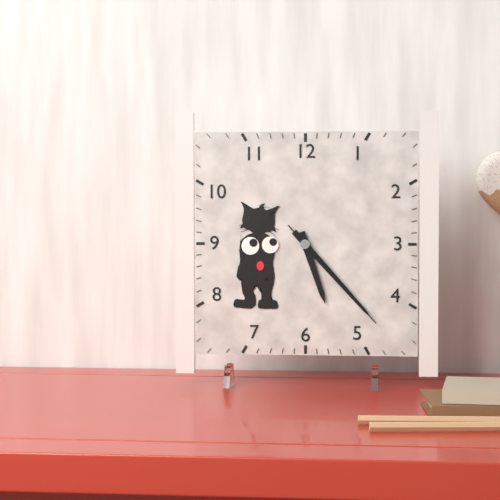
5:23:23
